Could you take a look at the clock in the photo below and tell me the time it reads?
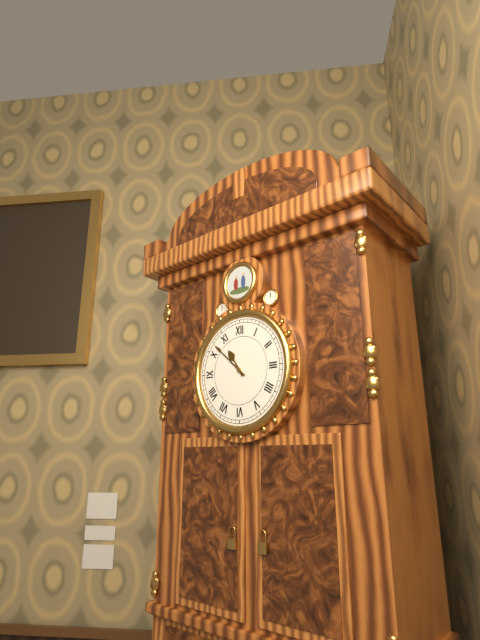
10:52
